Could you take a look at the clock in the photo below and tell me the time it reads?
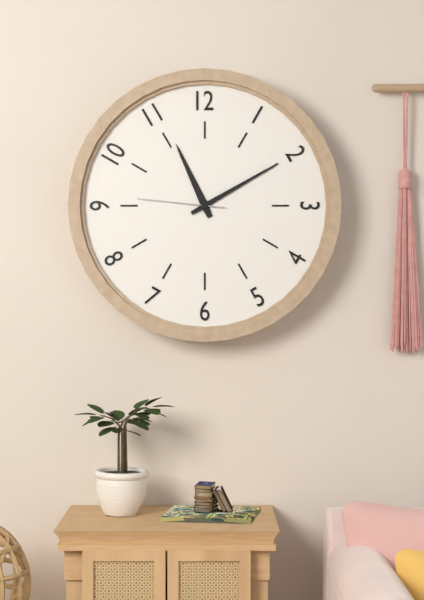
11:10:46
